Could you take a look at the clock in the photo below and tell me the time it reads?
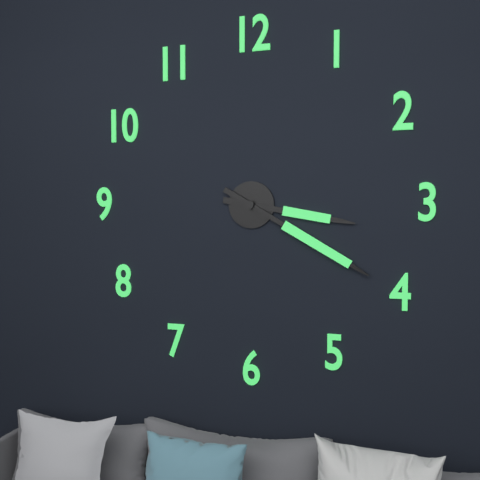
3:20
